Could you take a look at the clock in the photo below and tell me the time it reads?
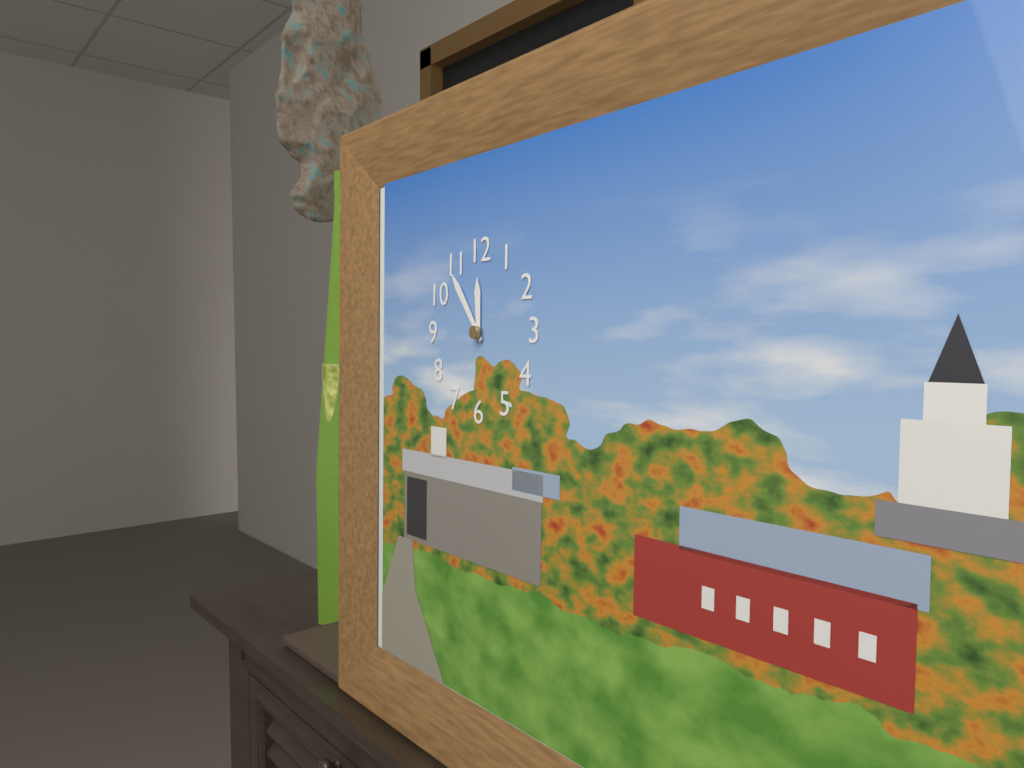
11:54
